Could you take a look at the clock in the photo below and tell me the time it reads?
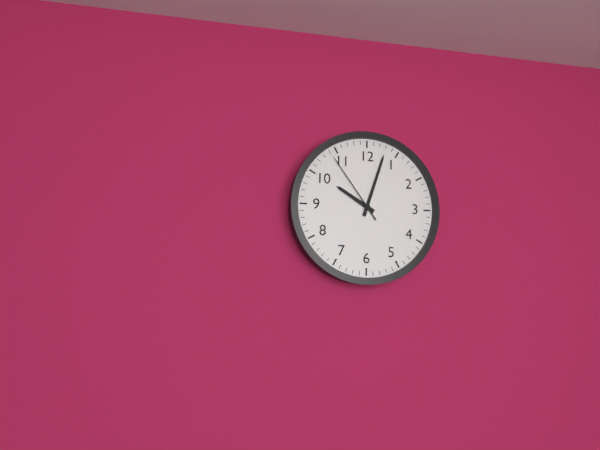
10:03:54
